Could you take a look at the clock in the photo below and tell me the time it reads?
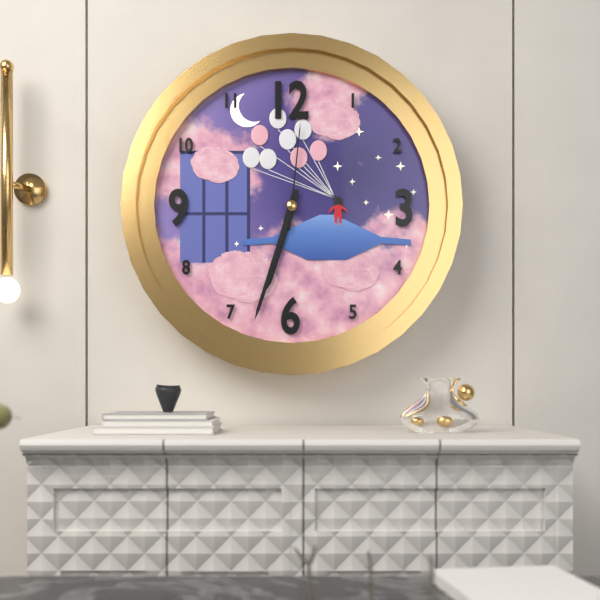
6:33:01
